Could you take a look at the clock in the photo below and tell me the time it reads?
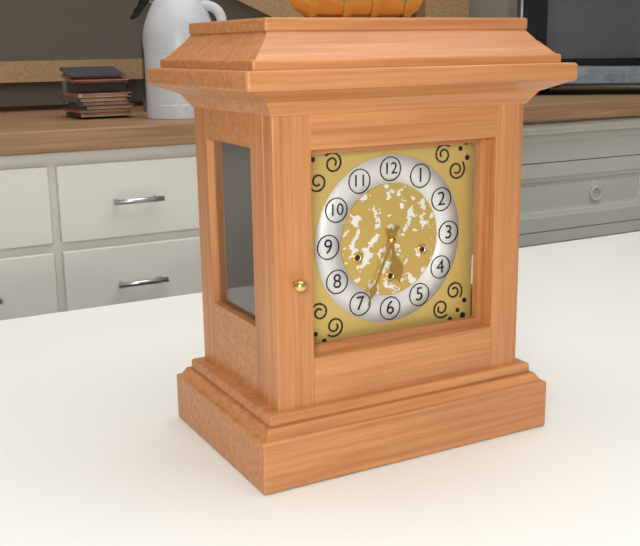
5:34
